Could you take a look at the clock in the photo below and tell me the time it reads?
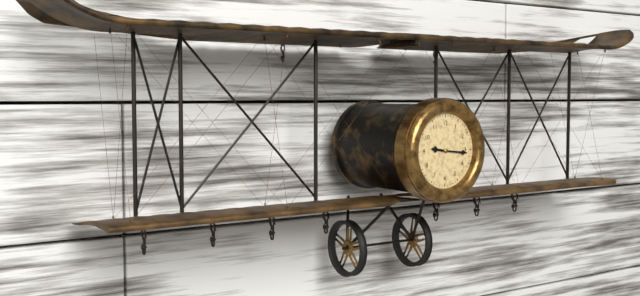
9:16
